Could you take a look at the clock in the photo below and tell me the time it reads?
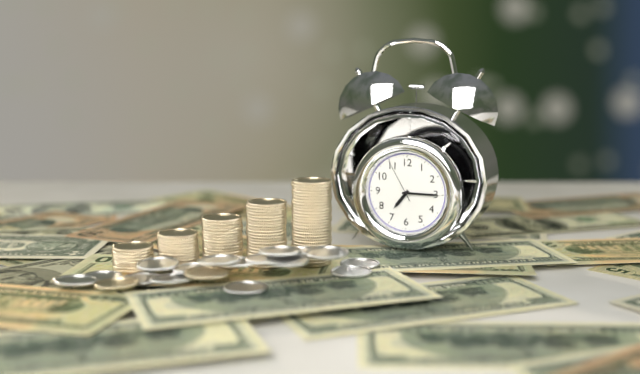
7:15
